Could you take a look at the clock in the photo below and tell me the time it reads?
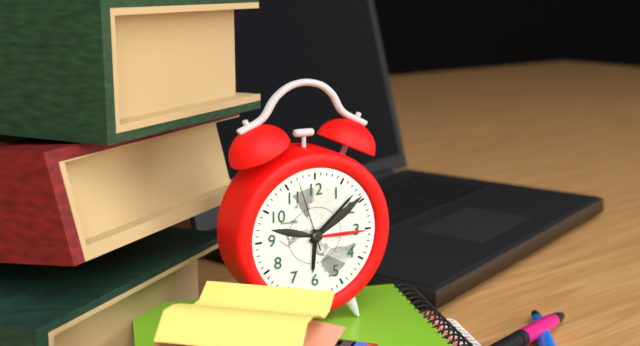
6:08:57
